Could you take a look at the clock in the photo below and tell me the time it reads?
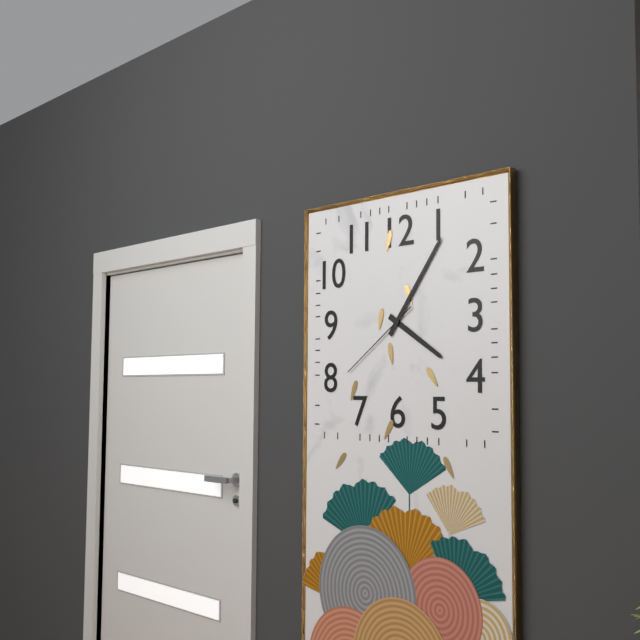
4:06:39
